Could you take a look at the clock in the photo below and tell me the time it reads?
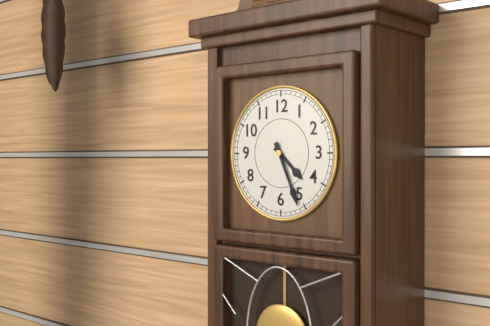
4:26
